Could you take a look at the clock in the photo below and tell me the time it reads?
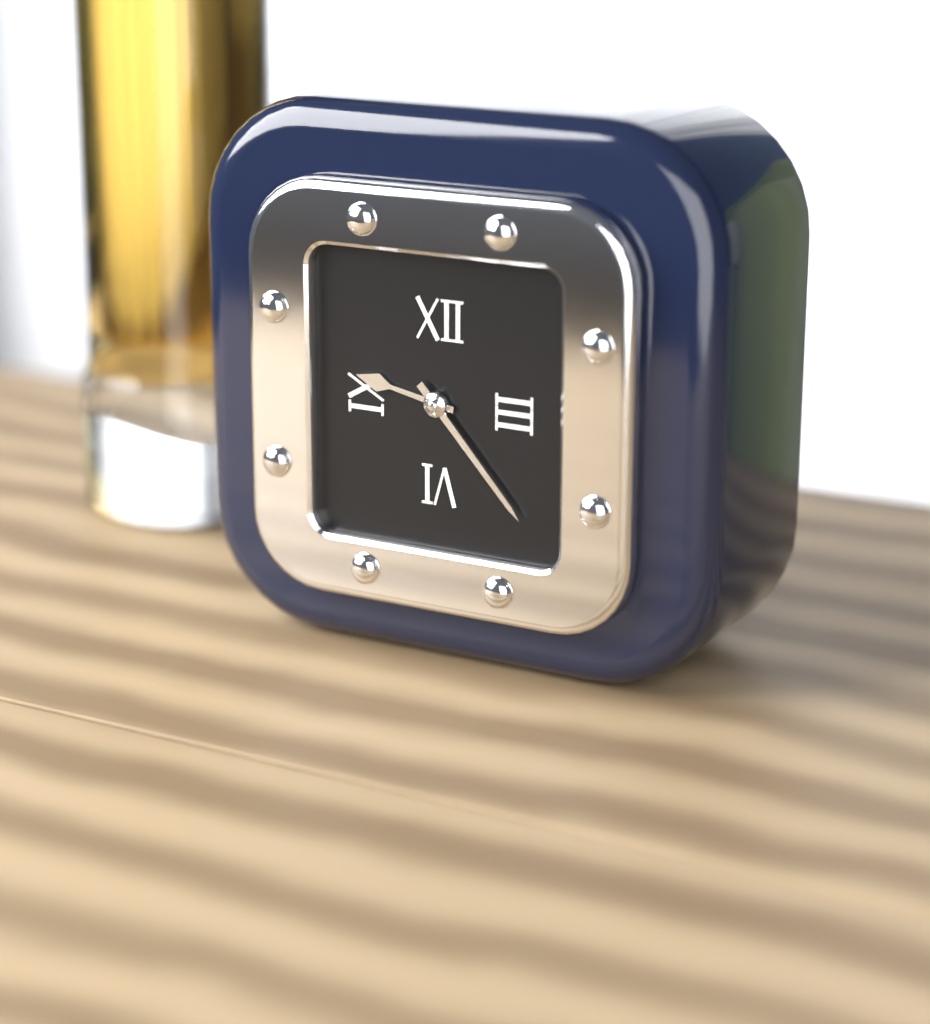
9:23
